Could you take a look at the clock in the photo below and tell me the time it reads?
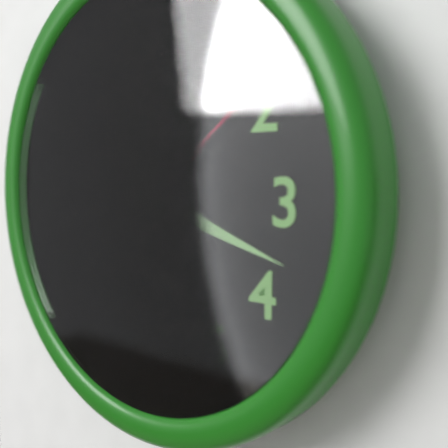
11:18:09
